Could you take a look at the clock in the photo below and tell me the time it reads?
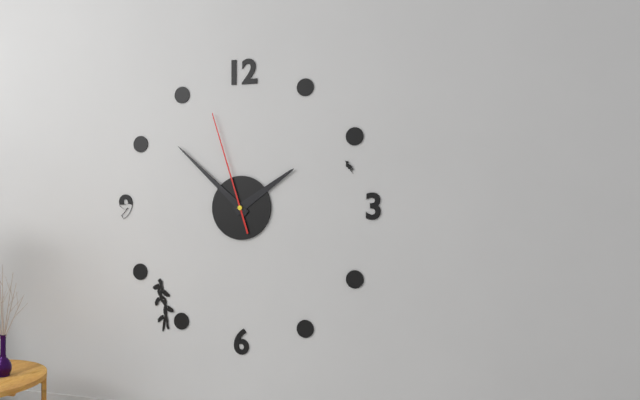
1:52:57
